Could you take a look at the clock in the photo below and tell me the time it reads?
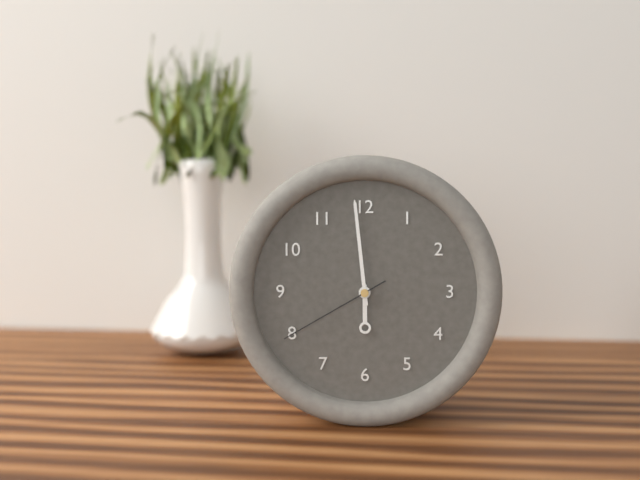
5:59:40
